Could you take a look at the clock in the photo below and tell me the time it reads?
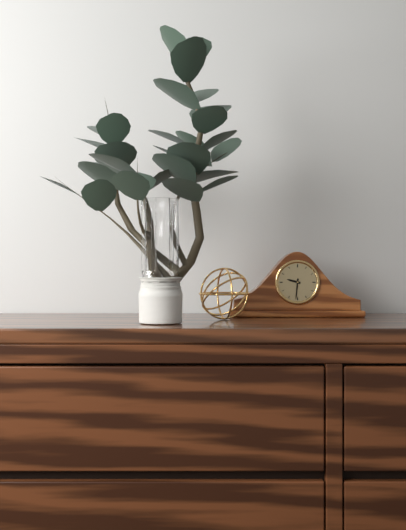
9:31
